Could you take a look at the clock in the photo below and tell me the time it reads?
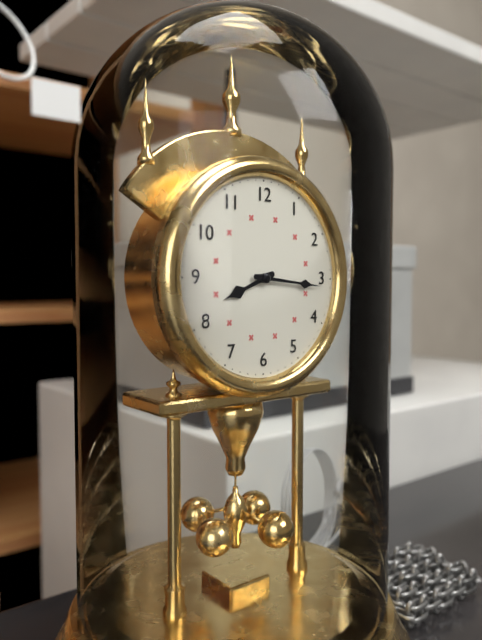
8:16
